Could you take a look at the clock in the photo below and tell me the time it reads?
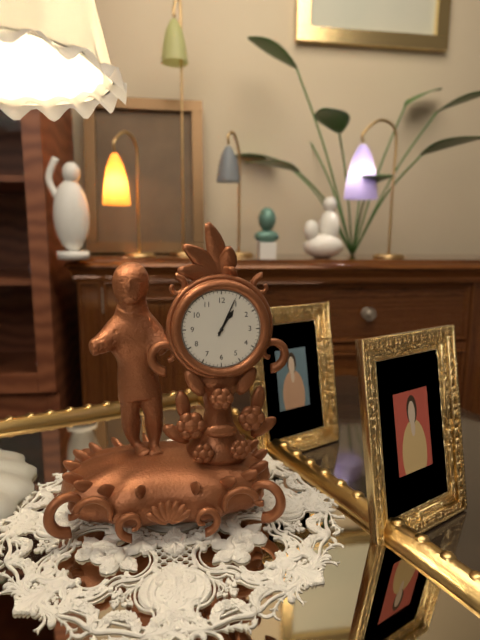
1:04
